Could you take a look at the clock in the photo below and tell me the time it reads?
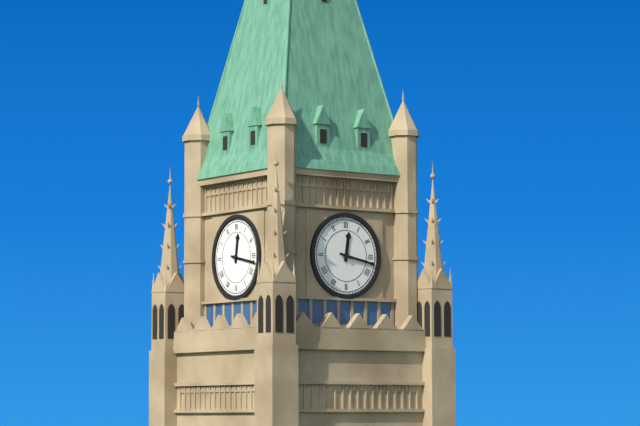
12:17
